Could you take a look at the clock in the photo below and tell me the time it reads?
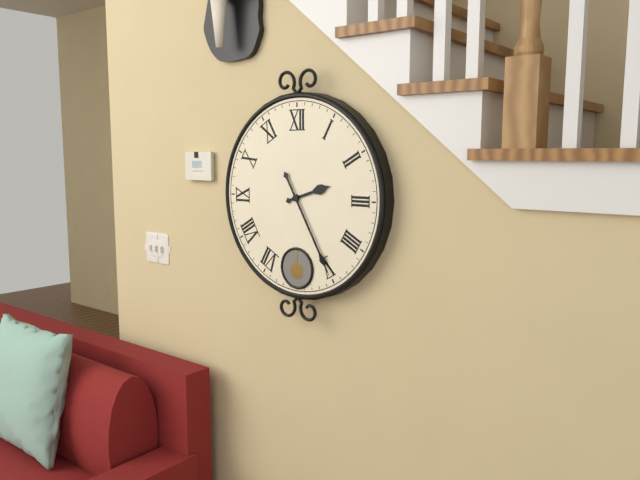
2:25
